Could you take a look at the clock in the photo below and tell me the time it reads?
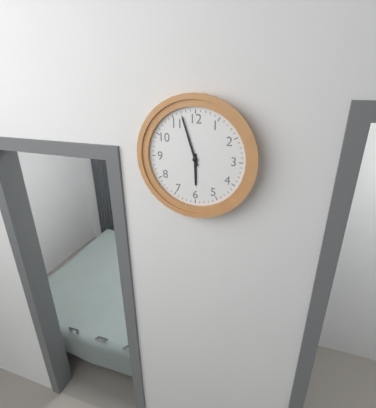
5:57
